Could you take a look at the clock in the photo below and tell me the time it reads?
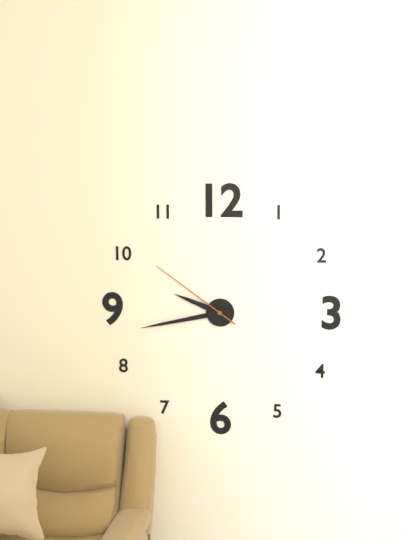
9:43:51
